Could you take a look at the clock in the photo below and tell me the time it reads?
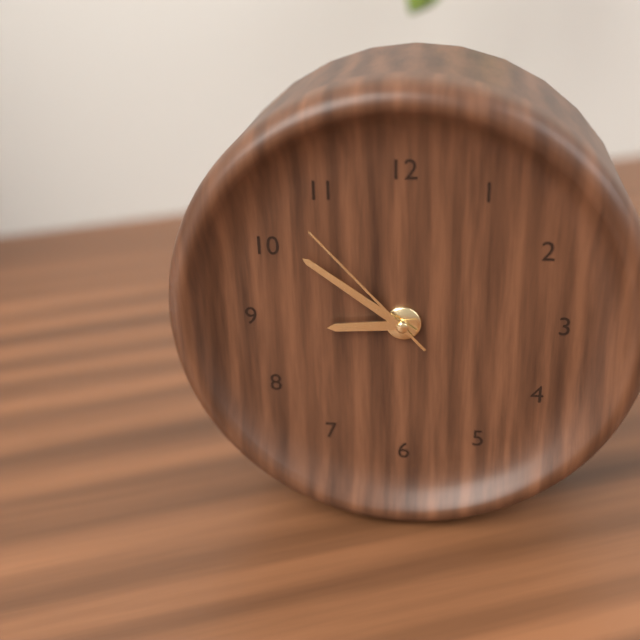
8:51:53
